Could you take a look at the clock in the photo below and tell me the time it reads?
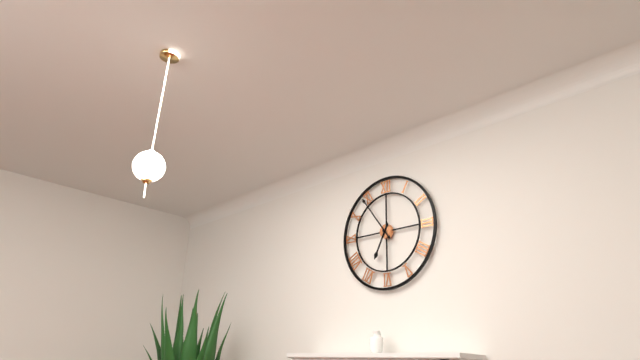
6:54
